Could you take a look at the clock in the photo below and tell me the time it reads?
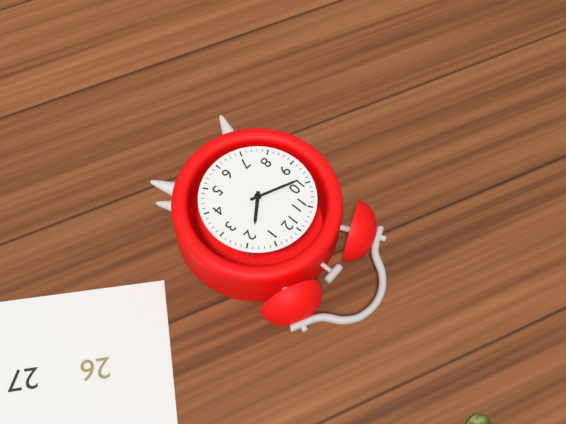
1:49
